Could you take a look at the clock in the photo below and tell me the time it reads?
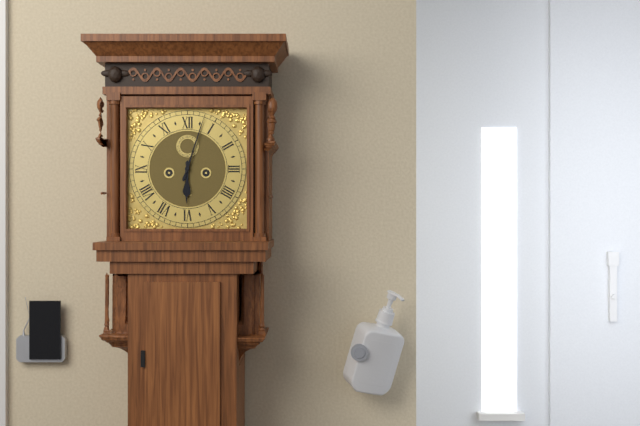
6:03
